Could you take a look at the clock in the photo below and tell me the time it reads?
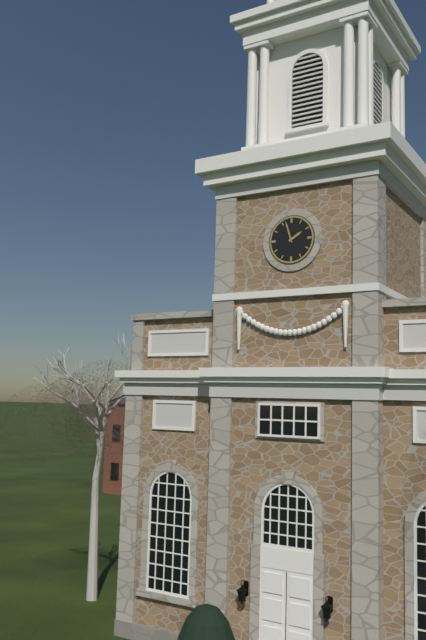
1:57
